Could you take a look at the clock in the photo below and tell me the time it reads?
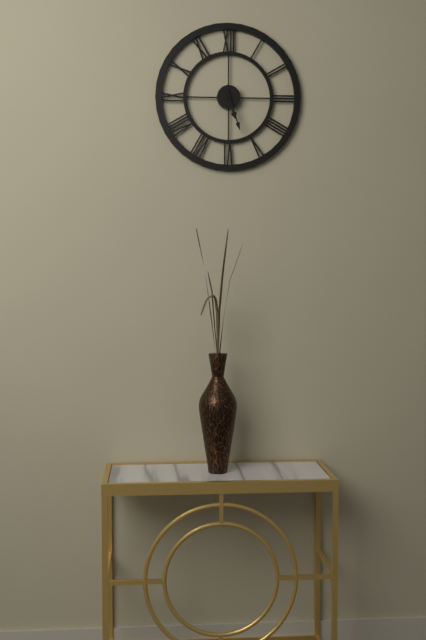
5:27
